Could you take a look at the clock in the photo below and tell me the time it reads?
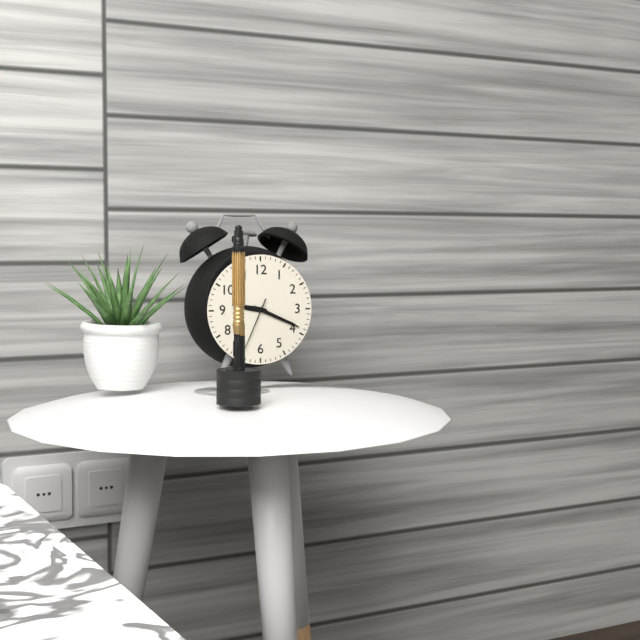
9:19:34
